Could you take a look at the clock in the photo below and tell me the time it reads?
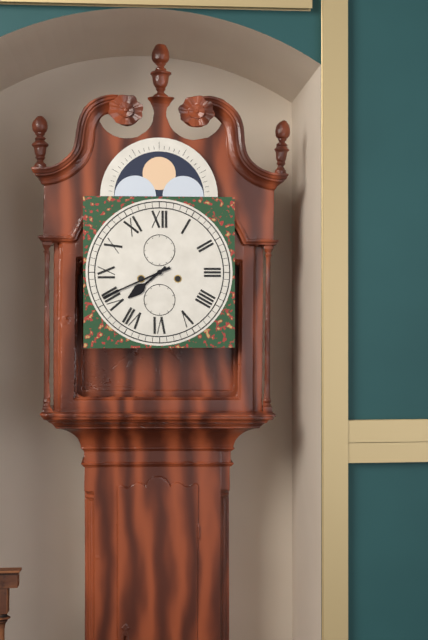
7:41
